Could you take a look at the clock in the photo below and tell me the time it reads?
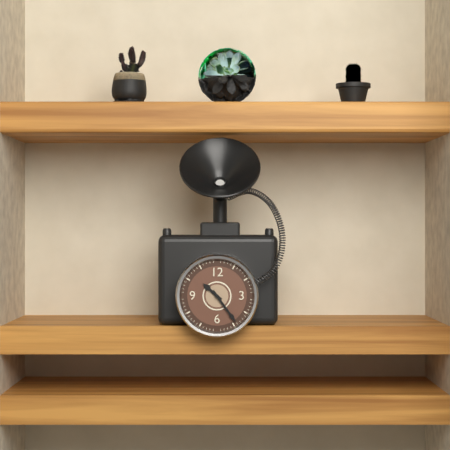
10:24
